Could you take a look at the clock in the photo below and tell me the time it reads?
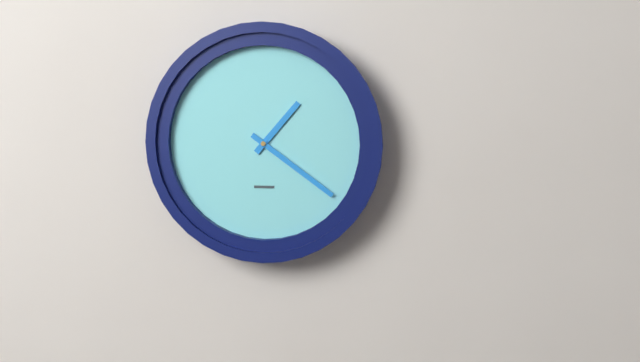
1:21
